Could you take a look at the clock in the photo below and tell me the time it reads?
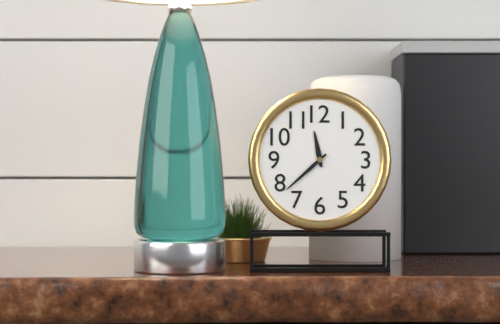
11:38
